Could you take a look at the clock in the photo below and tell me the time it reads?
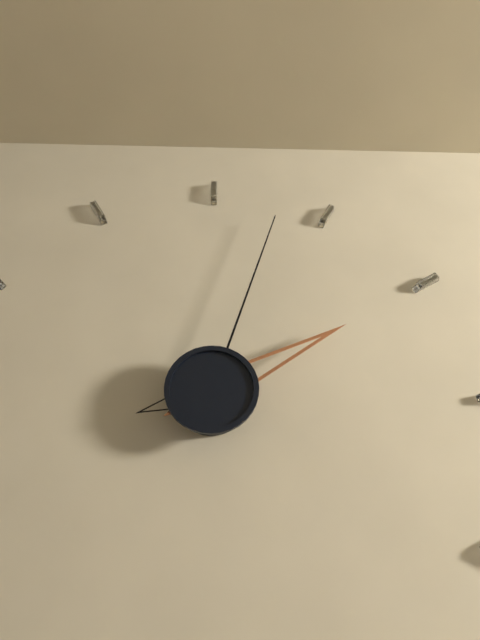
2:03:42
